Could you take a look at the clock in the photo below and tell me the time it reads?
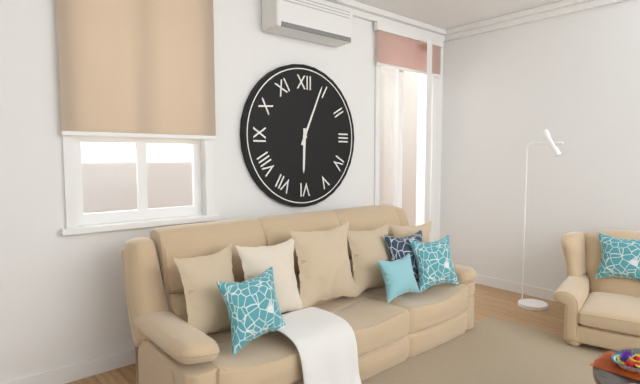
6:04
